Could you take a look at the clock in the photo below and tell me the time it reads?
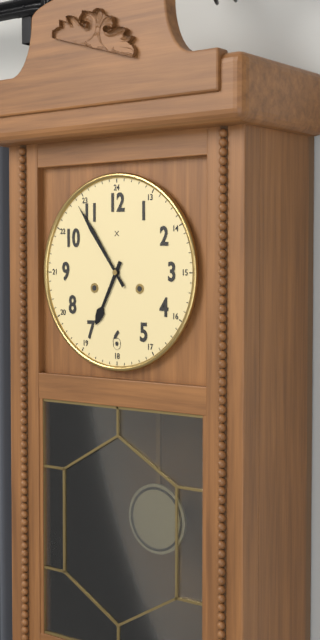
6:54
